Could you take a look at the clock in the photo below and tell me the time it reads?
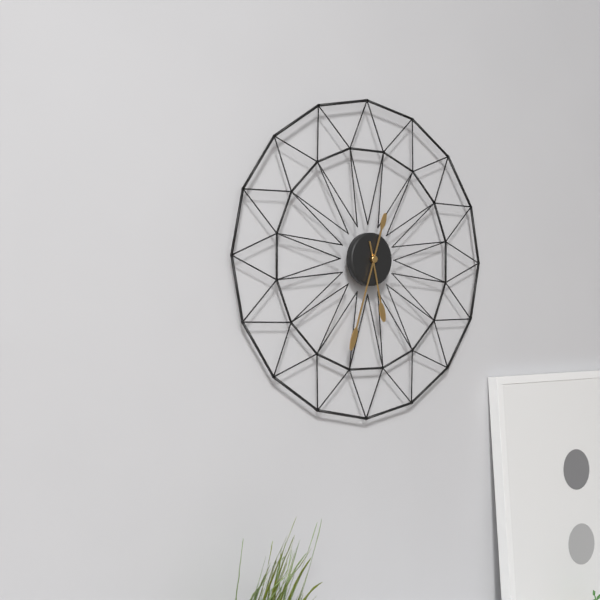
5:33
